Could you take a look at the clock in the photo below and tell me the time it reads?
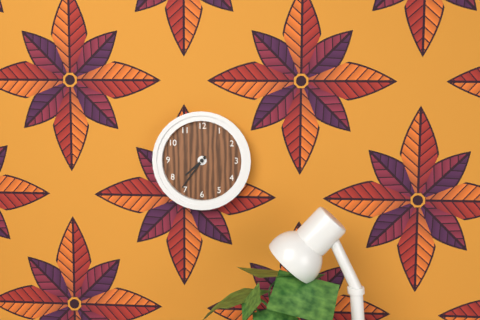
7:36
